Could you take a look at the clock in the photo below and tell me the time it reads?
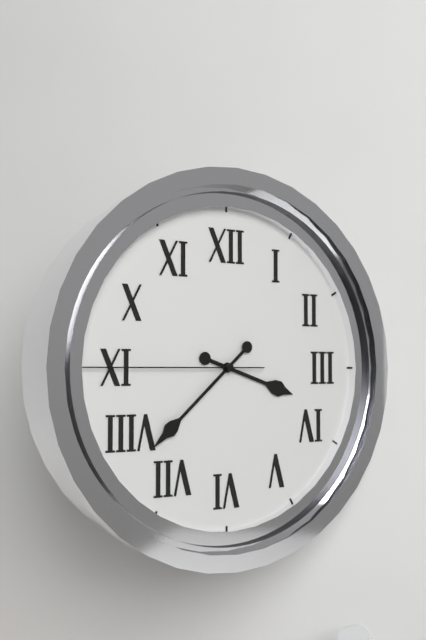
3:38:45
